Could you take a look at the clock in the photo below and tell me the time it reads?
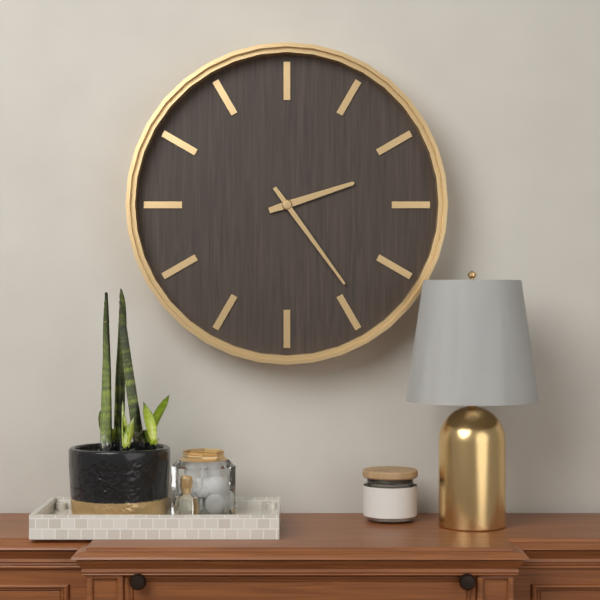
2:24
